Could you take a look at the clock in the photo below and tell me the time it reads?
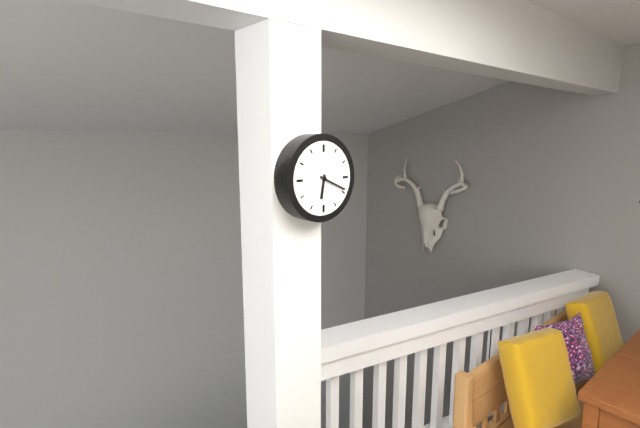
6:19
